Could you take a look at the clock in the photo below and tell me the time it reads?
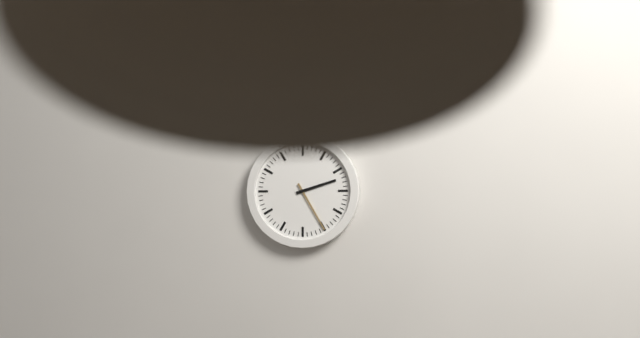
2:25
